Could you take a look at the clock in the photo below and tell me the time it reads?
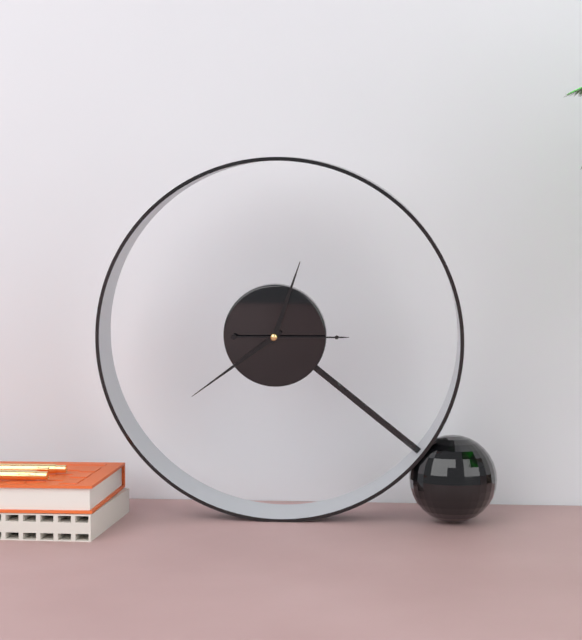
12:39:15
